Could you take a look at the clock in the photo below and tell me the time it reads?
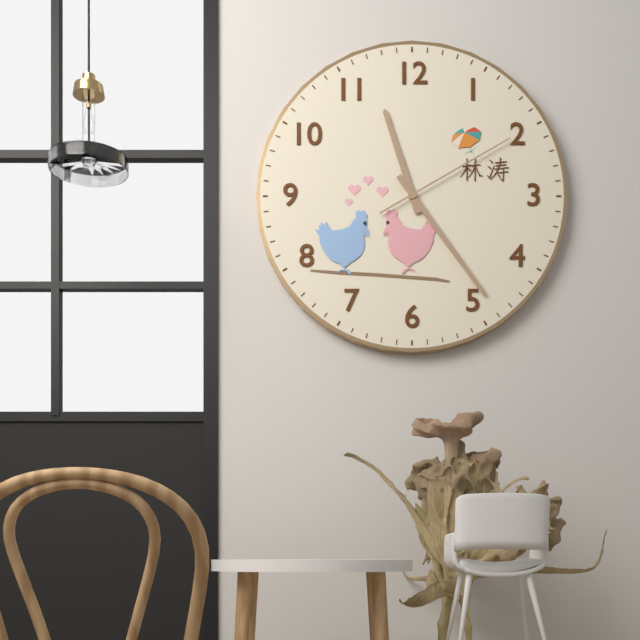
11:24:10
